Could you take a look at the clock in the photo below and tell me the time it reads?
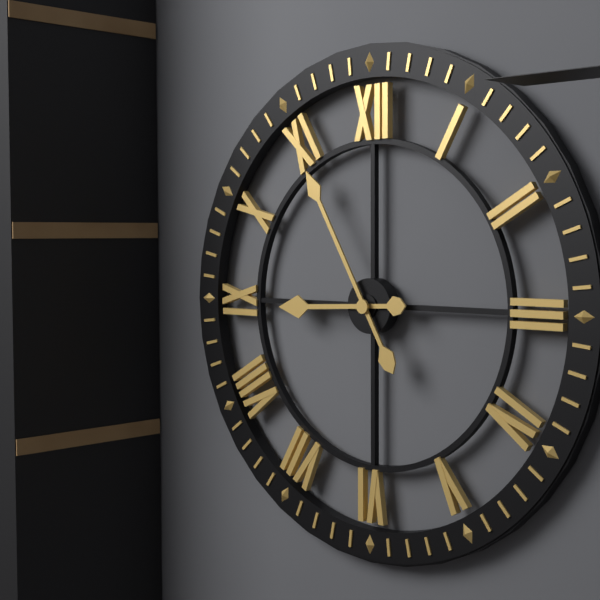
8:55
